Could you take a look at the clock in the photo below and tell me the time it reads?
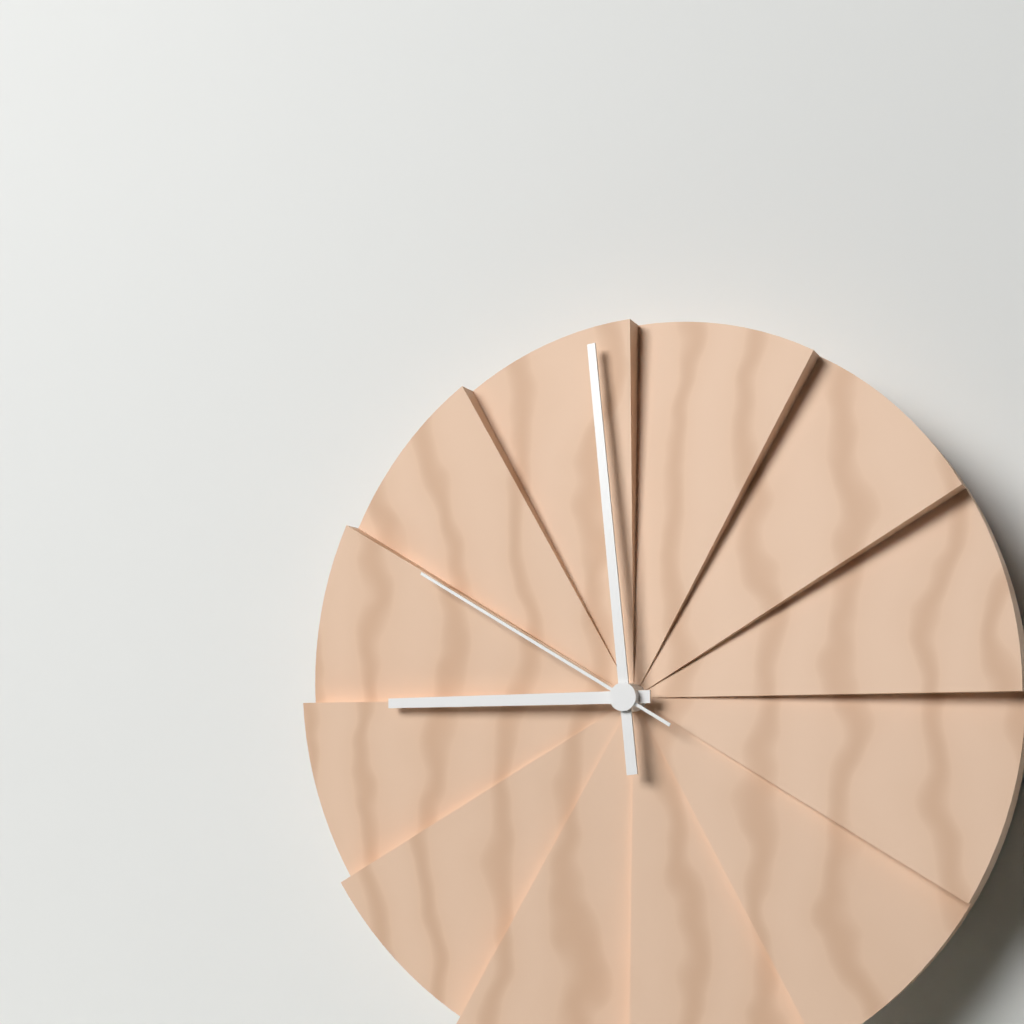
8:59:50
